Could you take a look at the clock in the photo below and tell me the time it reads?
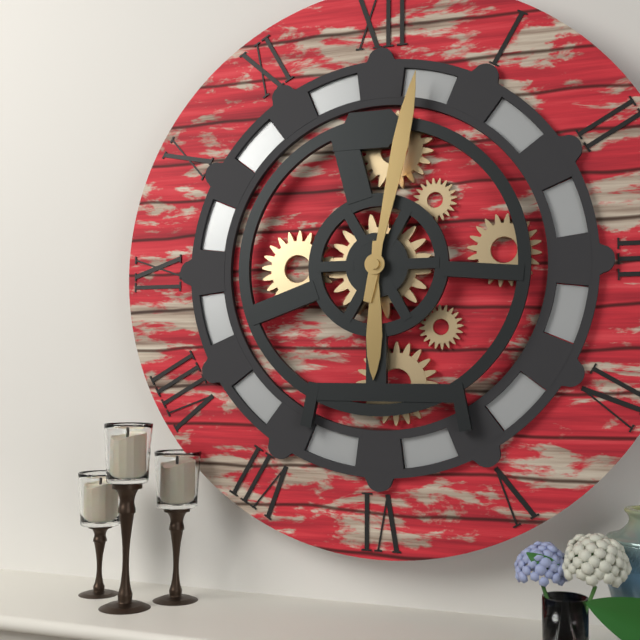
6:02
